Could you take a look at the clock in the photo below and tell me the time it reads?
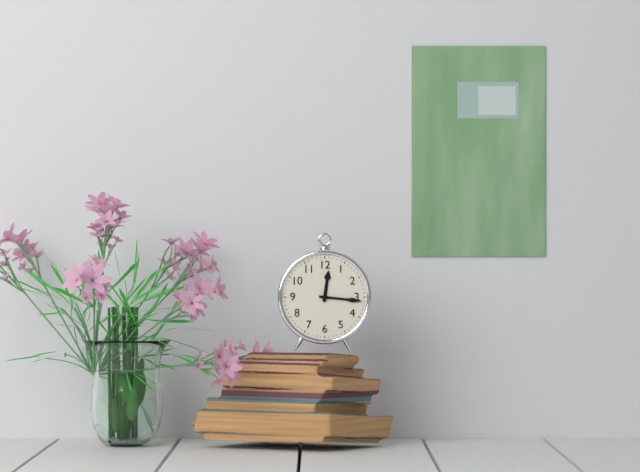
12:16
